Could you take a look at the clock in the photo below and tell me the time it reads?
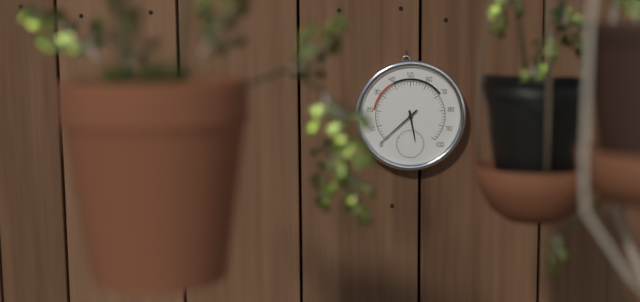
5:38
